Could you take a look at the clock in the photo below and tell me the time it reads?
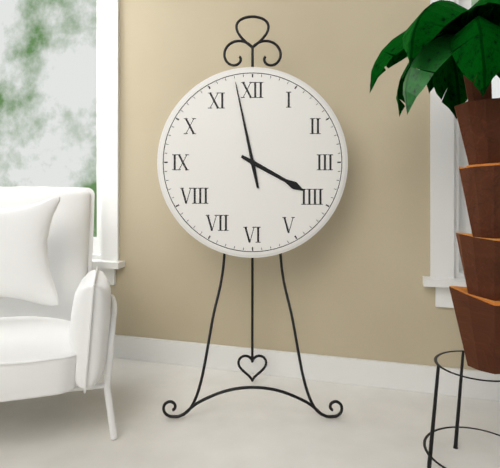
3:58
